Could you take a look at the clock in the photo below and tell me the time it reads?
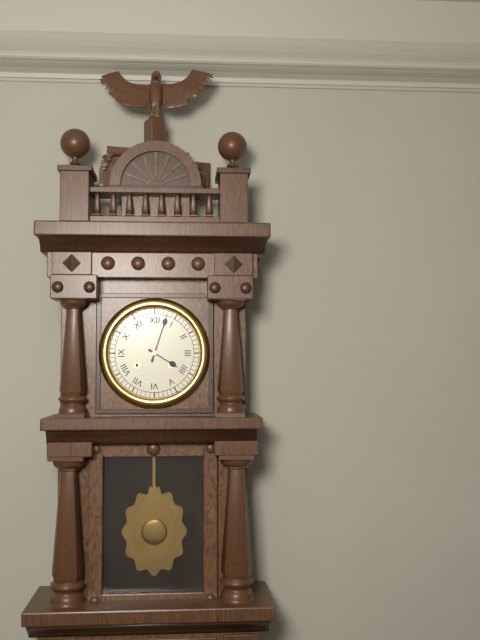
4:03
